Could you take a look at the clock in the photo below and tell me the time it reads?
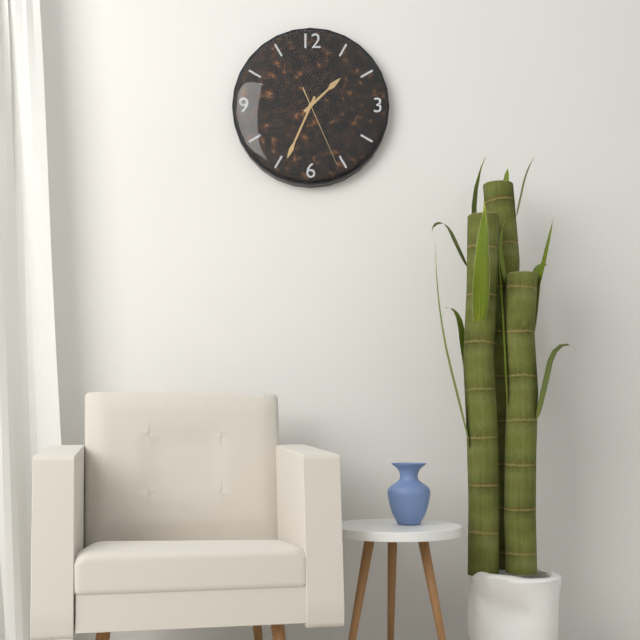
1:34:26
